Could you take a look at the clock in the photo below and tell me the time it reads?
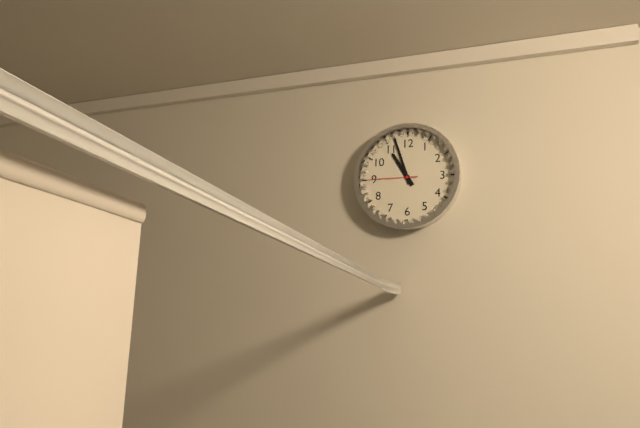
10:57:45
